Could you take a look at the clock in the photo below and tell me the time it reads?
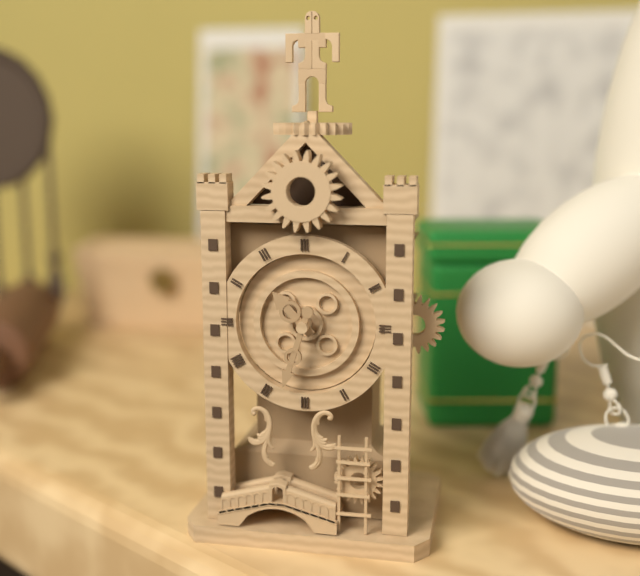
10:33
